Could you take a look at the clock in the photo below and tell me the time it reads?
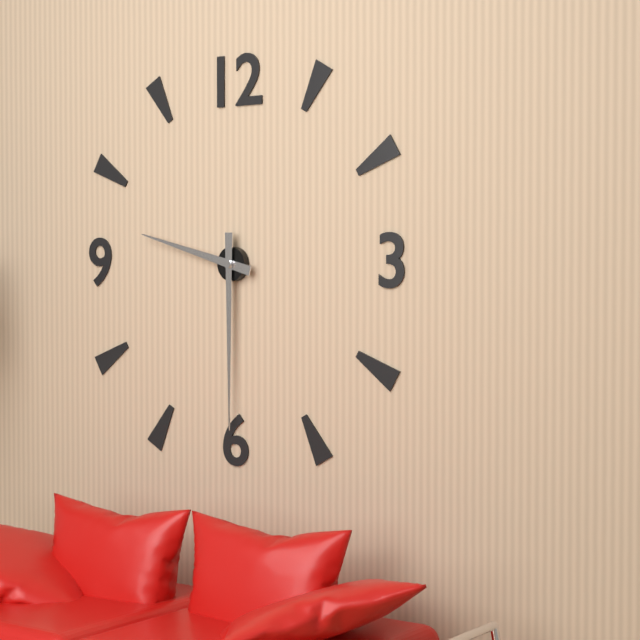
9:30
